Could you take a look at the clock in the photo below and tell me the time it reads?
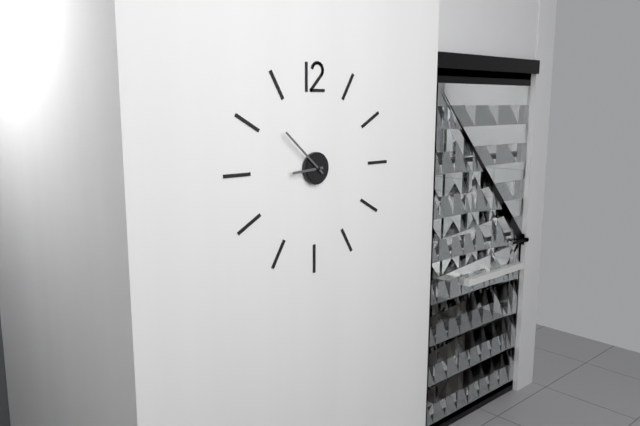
8:52
